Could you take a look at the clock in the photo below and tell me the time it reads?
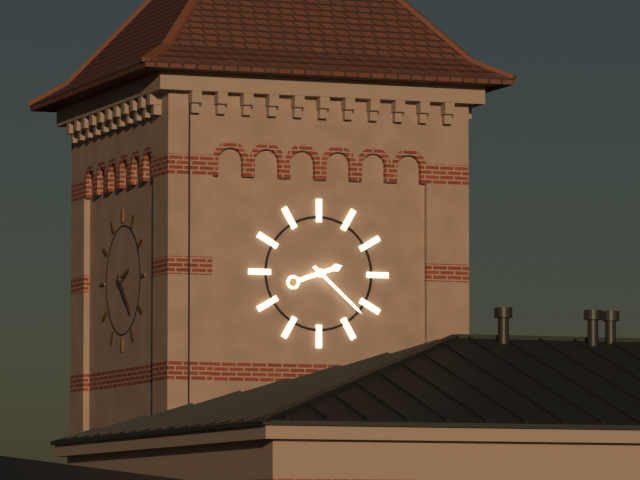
2:22
